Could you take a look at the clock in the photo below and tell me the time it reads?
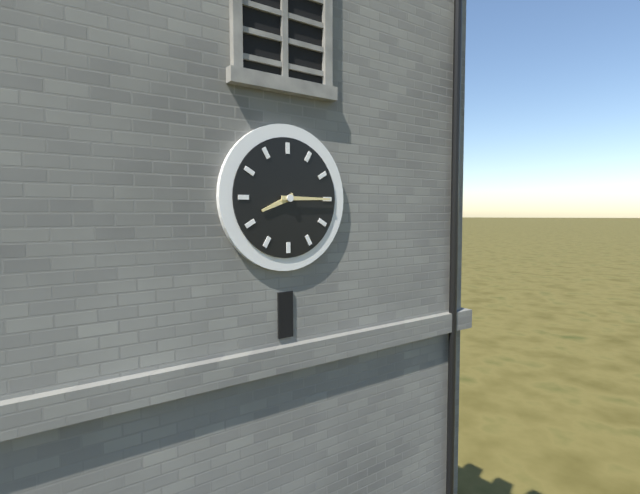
8:15
